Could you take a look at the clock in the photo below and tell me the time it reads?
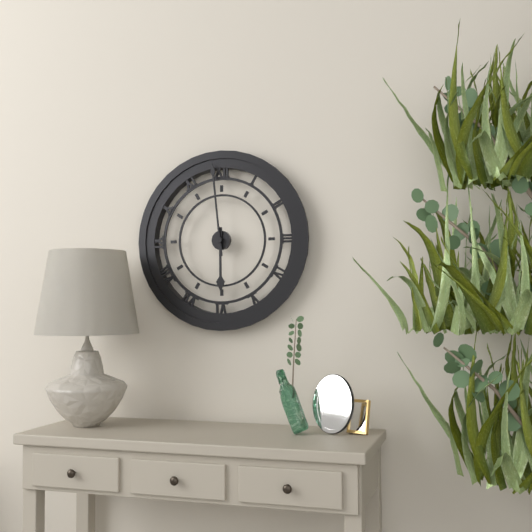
5:59
